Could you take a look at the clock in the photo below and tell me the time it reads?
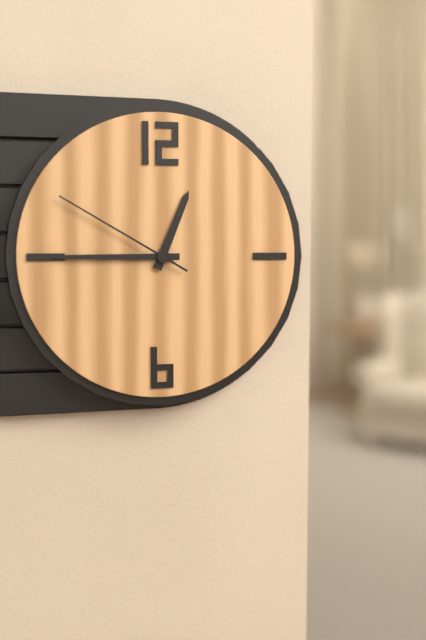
12:45:50
